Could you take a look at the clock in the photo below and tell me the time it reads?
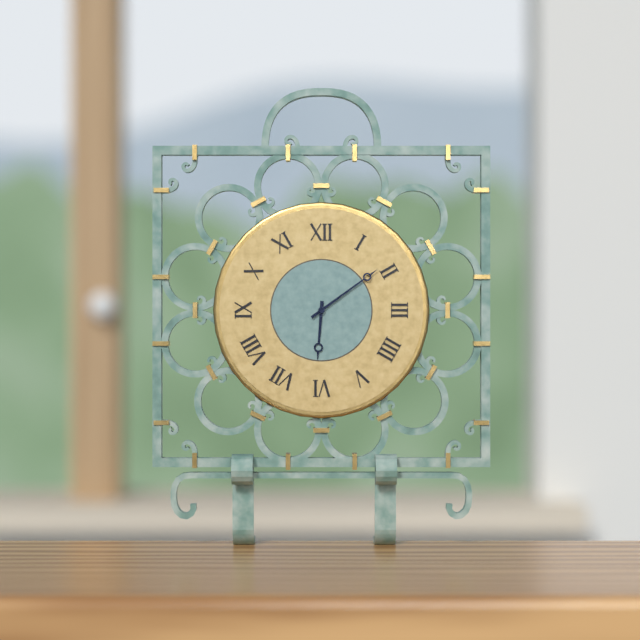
6:09
